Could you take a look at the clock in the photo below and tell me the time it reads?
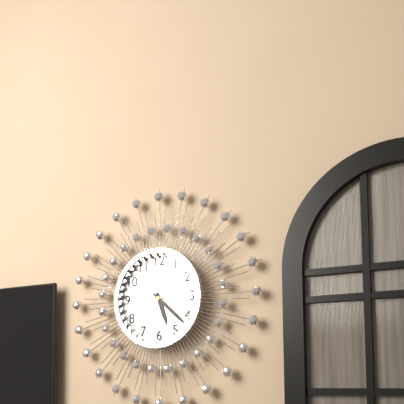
5:22
